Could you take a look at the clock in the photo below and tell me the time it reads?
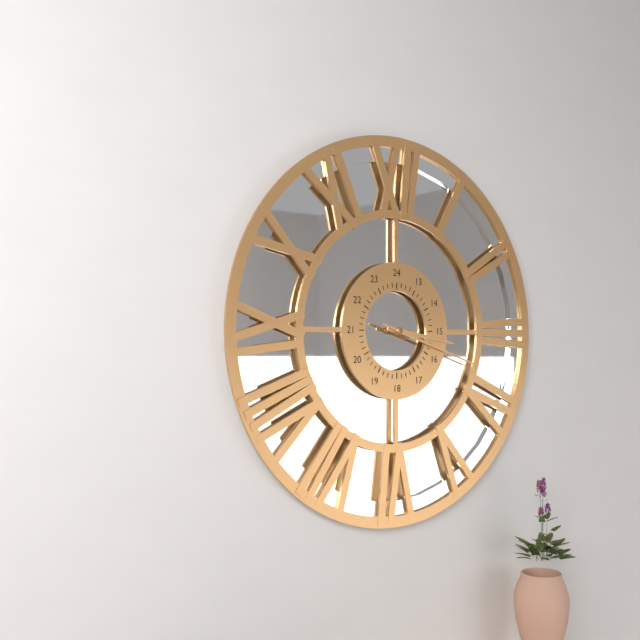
3:18
